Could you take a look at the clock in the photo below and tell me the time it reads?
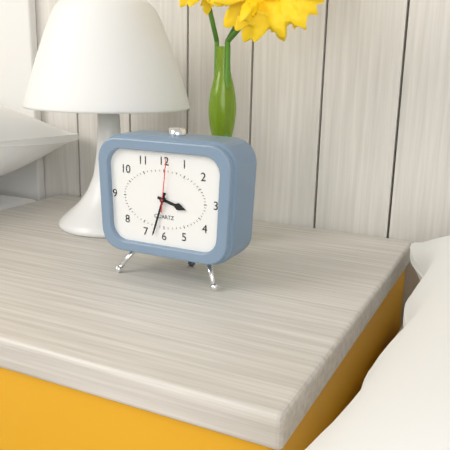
3:33:01
